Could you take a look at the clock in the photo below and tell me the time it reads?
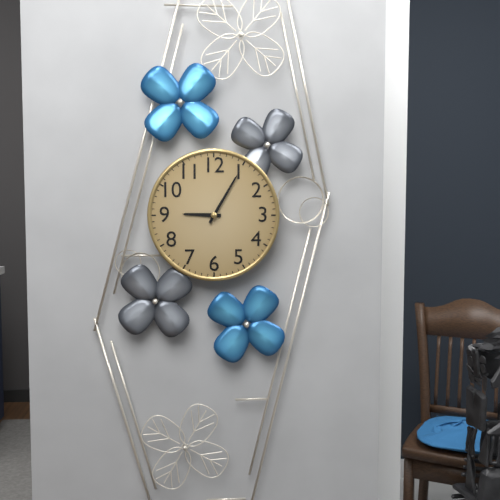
9:05
